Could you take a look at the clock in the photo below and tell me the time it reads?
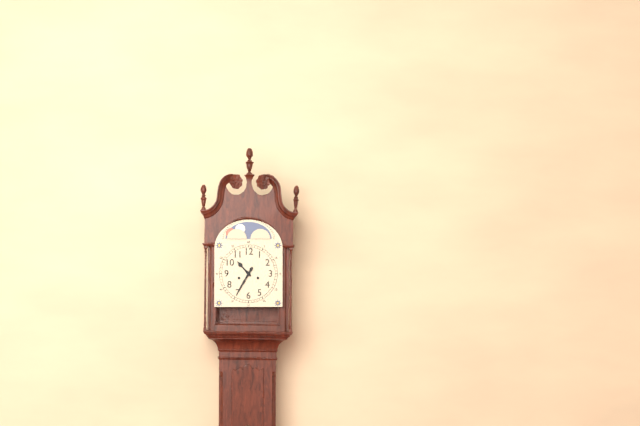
10:35
